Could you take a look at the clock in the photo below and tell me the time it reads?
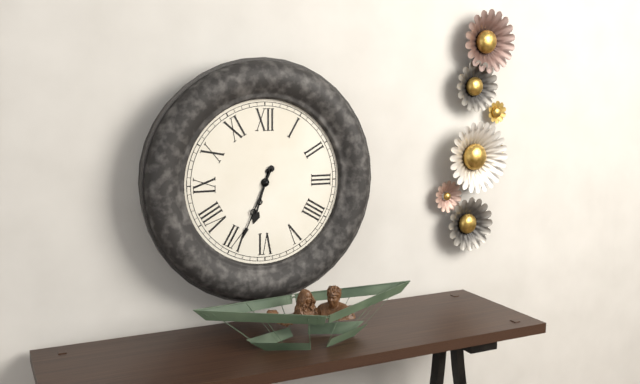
6:34
